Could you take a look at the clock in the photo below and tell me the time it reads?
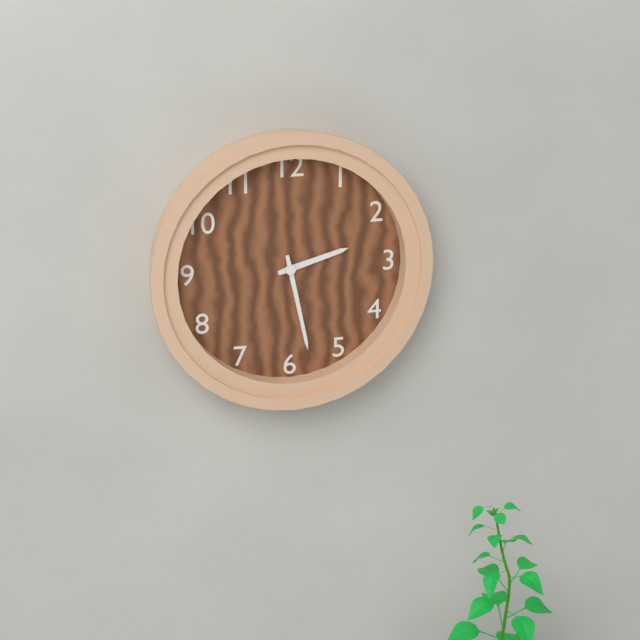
2:28
